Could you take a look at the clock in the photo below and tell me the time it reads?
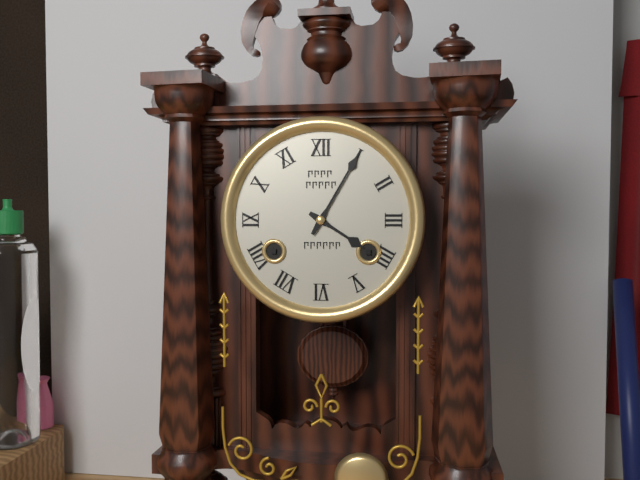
4:05
